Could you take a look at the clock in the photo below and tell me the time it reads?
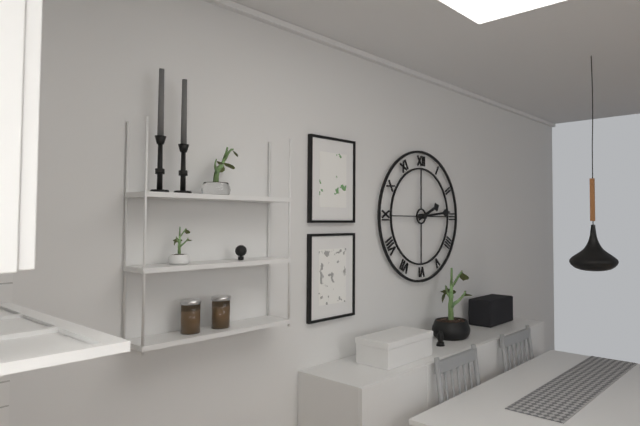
2:14
